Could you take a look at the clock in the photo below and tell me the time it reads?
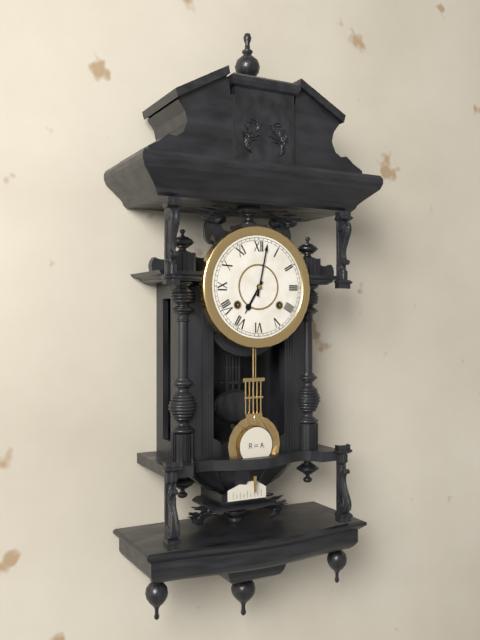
7:02
